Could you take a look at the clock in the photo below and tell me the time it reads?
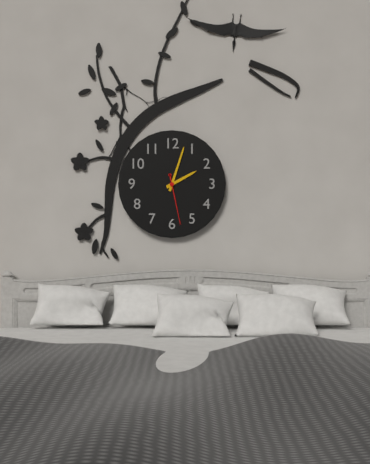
2:03:28
